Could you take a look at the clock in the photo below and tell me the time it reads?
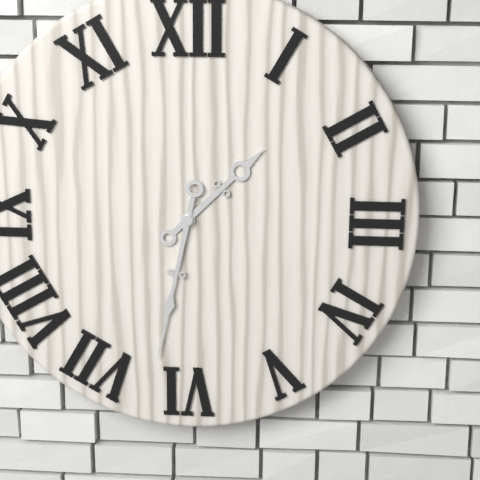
1:32
